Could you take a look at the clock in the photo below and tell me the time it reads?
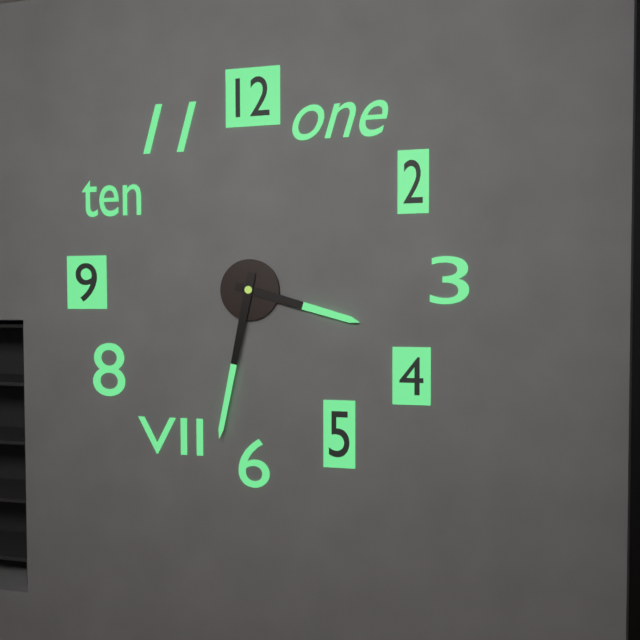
3:32
